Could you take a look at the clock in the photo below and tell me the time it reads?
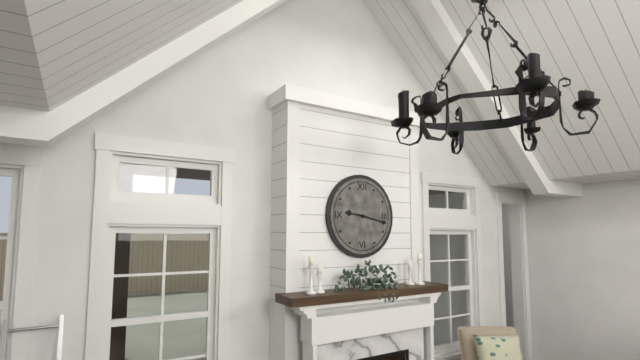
9:17
